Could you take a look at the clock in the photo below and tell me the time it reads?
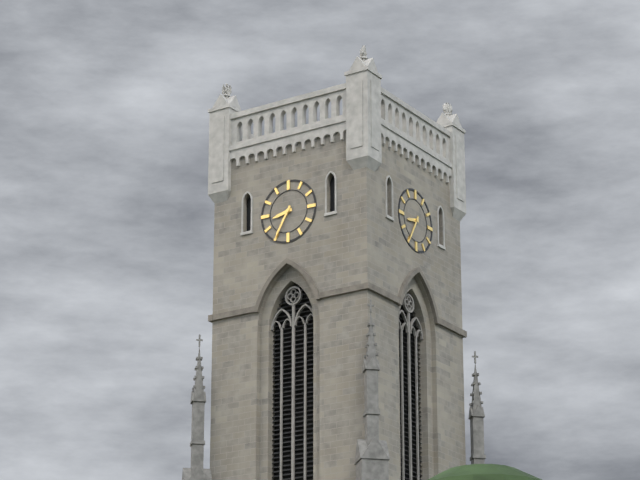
8:35
